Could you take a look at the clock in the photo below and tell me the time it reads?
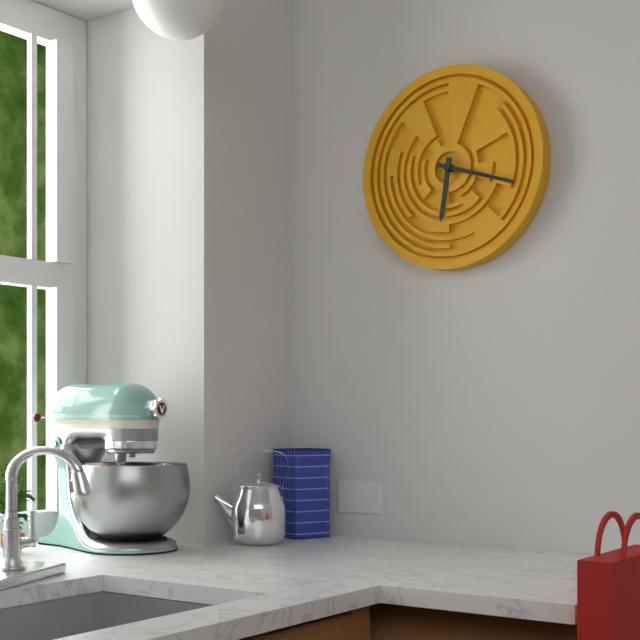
6:18
